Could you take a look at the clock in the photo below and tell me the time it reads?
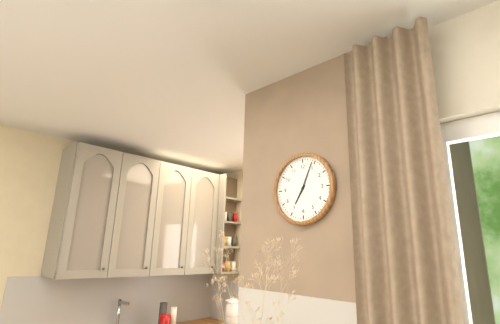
7:04
